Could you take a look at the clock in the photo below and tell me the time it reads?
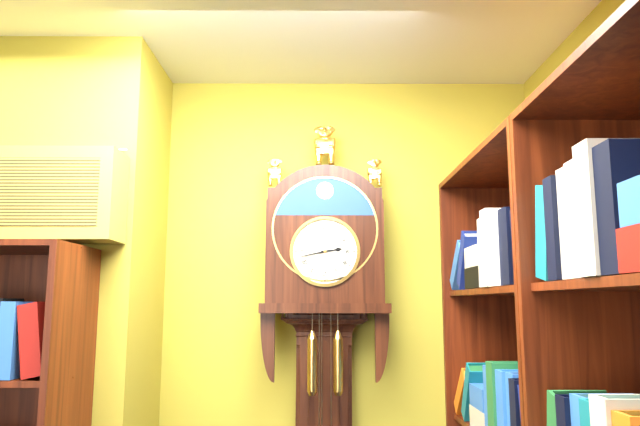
2:43
